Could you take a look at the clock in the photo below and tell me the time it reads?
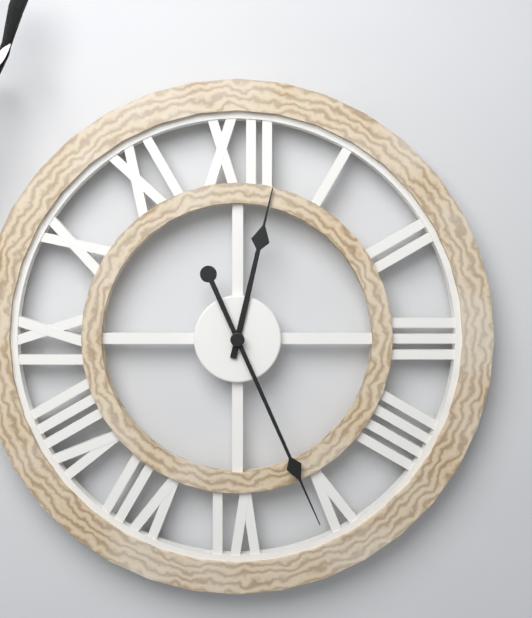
12:26
